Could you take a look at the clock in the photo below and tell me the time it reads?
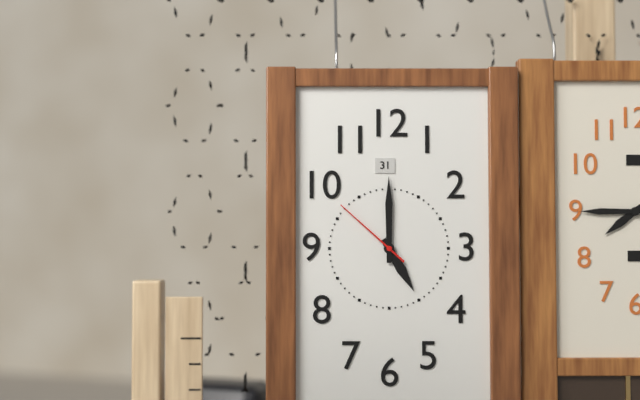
5:00:52
